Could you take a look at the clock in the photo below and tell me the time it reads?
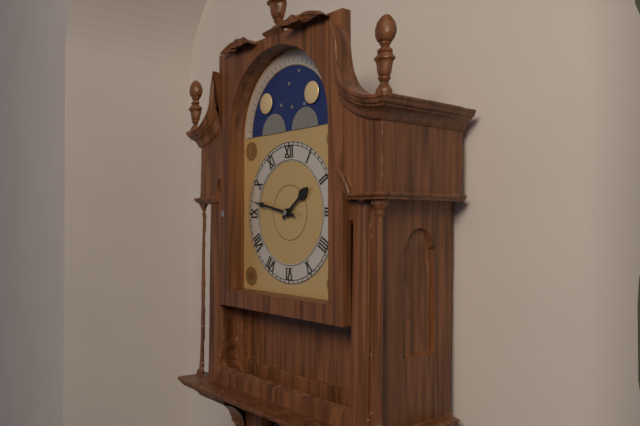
1:47
